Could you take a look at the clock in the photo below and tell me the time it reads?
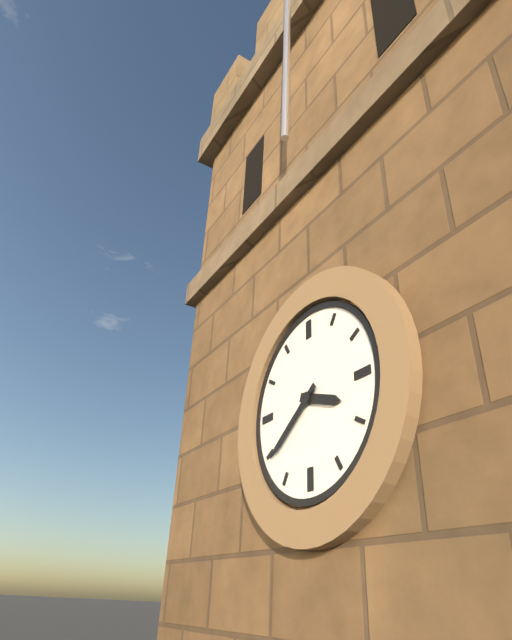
3:39
